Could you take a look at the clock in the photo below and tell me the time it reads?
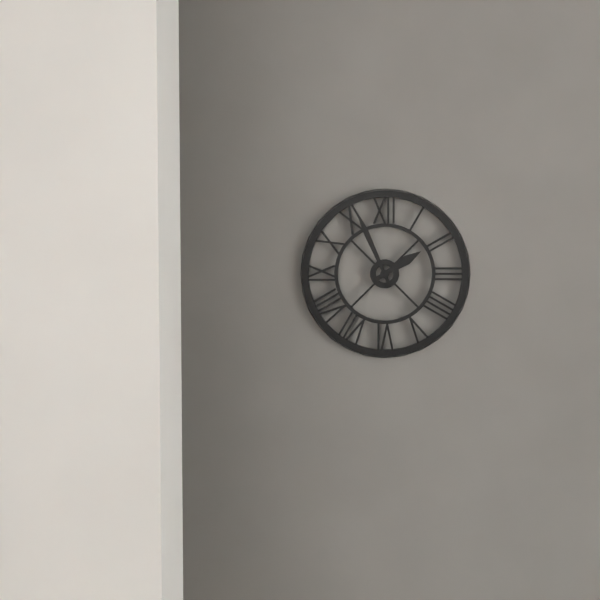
1:56
